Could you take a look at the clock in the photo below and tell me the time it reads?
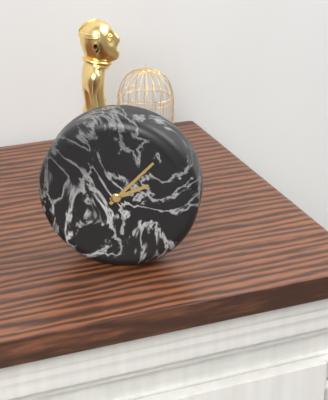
2:07
